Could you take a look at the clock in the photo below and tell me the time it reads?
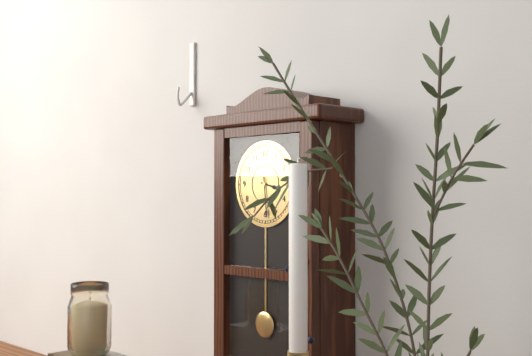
3:29
